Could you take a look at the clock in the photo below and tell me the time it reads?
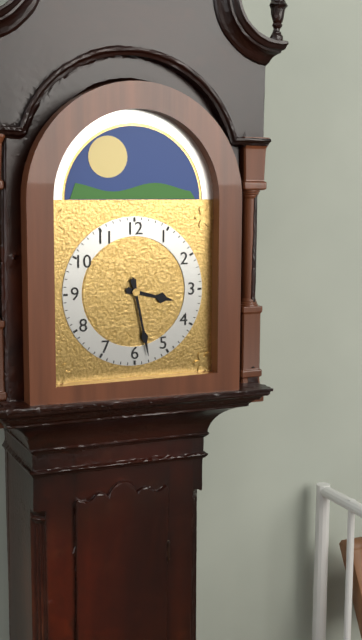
3:28
